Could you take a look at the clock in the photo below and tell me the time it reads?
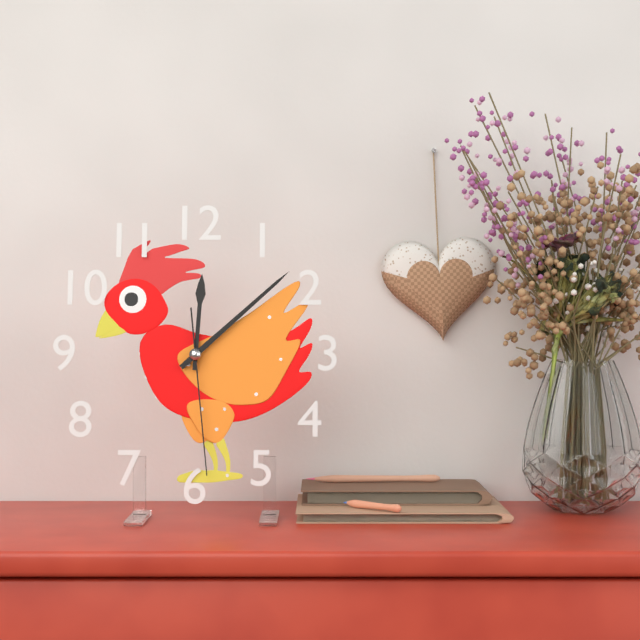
12:08:29
